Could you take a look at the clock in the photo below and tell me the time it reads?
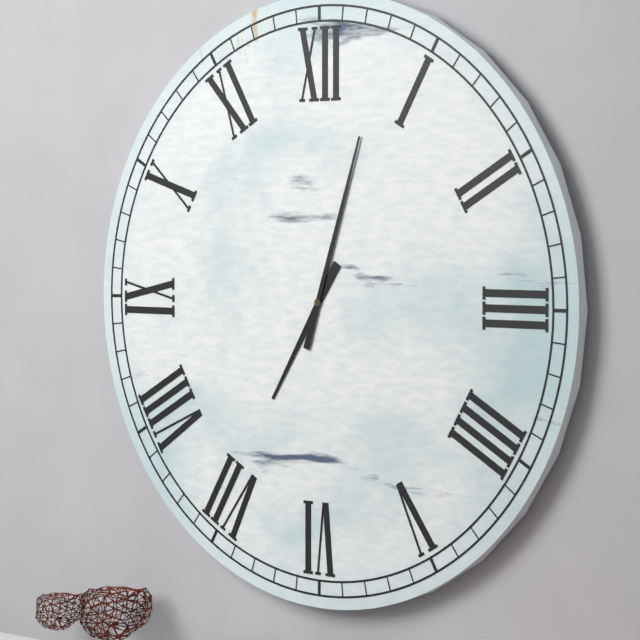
7:03
